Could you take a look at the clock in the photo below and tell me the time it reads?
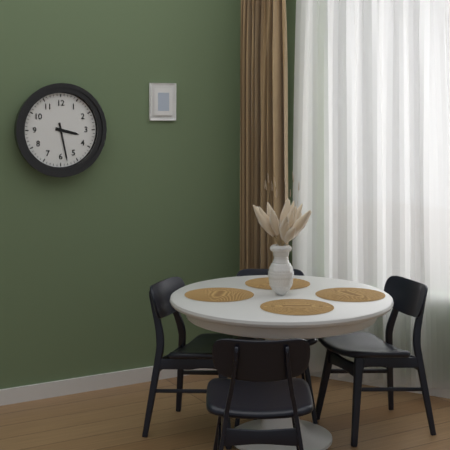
3:28
